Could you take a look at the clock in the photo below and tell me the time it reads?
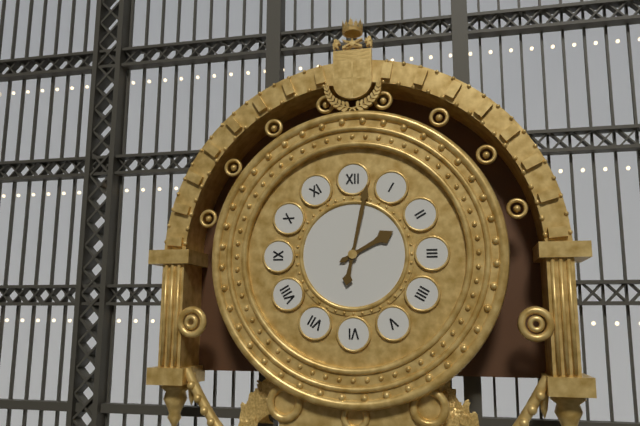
2:02
